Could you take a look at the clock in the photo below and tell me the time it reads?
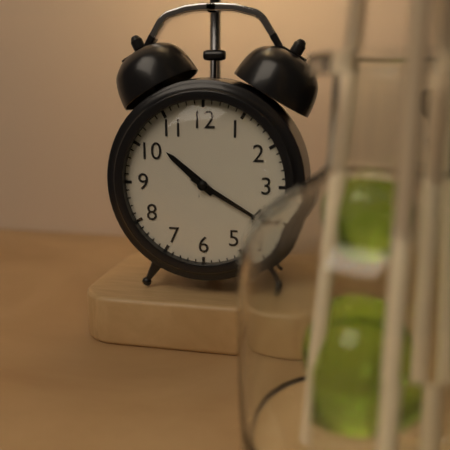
10:20
